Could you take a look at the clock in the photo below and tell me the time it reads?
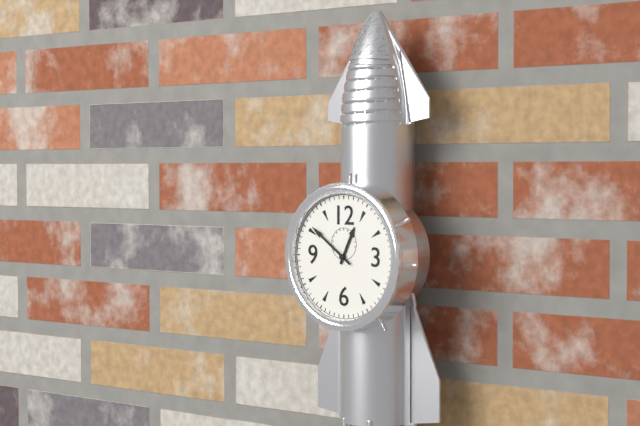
12:51
